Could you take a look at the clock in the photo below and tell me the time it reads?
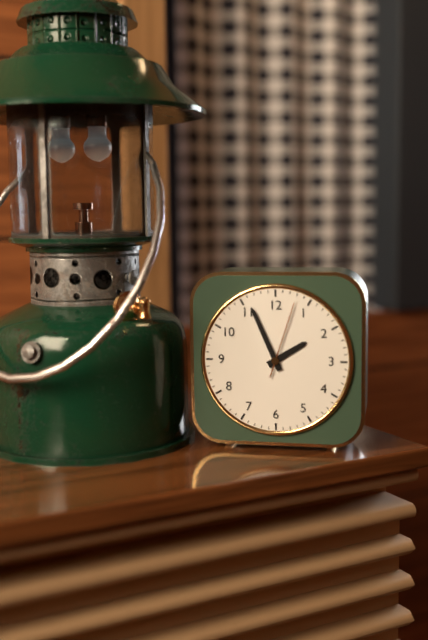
1:56:03
